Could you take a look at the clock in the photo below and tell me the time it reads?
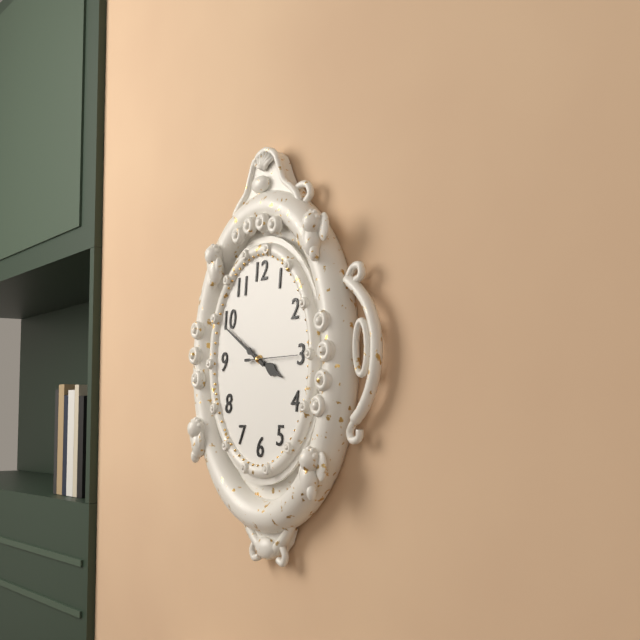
3:50:15
